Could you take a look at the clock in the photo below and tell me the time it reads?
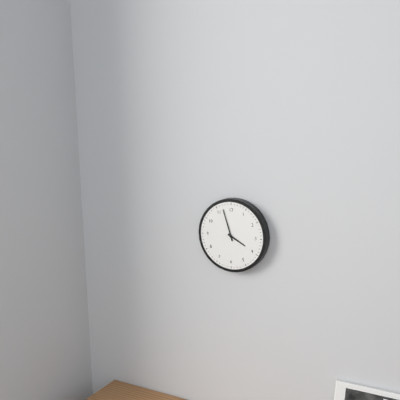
3:57
